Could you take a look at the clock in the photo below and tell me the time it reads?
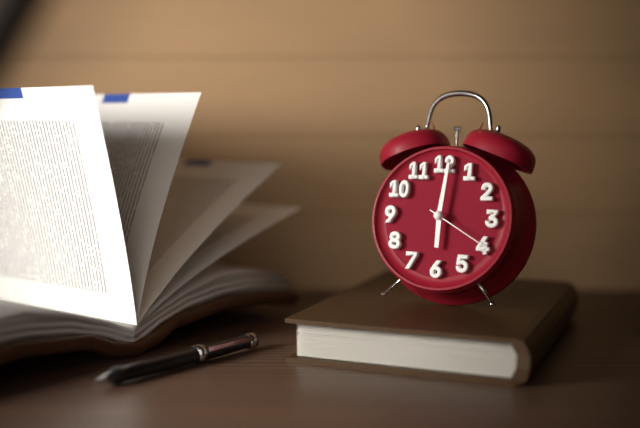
6:01:20
